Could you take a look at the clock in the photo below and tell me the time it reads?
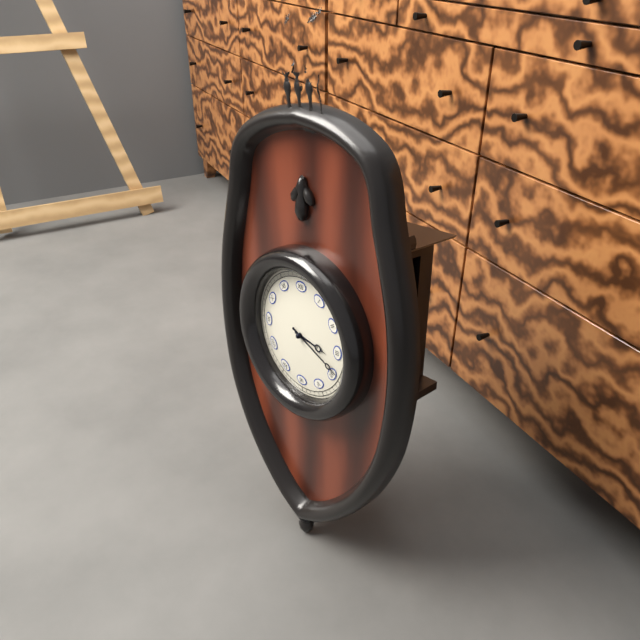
3:19
